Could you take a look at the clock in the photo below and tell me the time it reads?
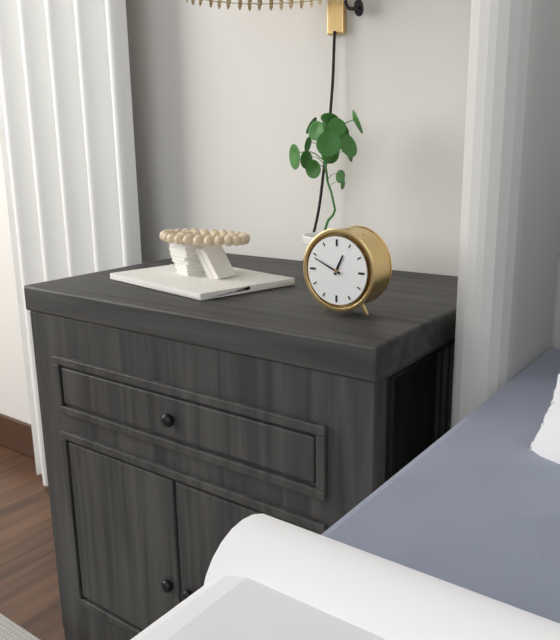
12:49
